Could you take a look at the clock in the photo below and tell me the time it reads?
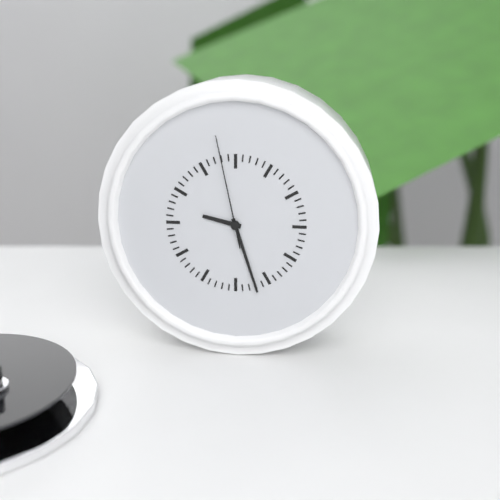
9:27:58
